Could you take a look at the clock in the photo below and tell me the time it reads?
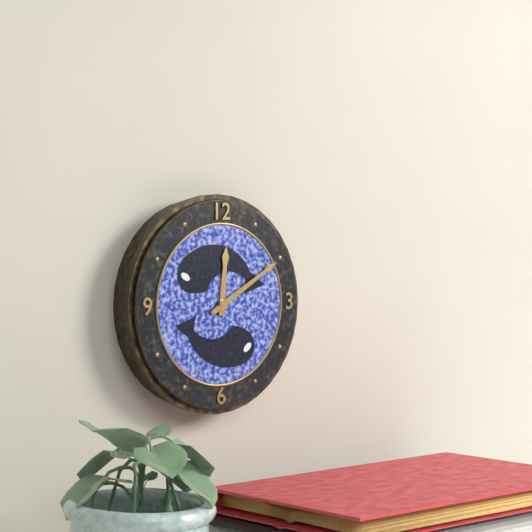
12:10
